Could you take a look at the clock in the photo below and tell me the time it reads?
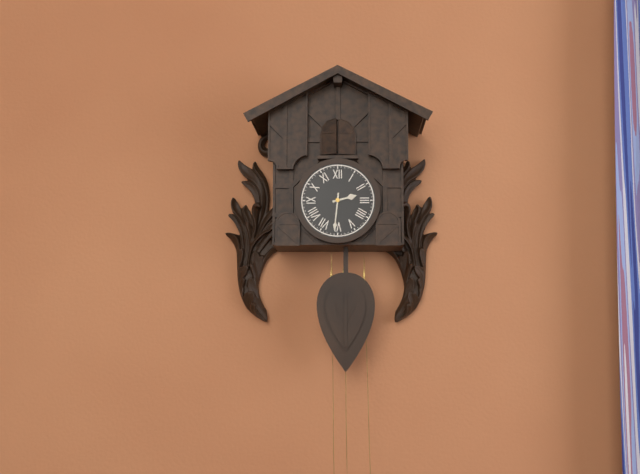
2:31
